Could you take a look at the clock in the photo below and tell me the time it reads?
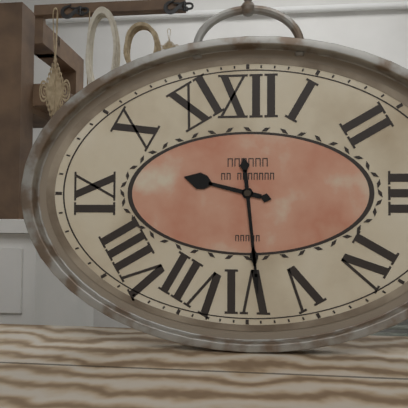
9:29
